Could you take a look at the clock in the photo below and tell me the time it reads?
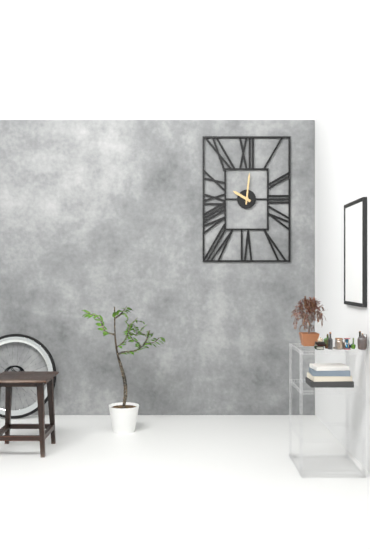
10:01
